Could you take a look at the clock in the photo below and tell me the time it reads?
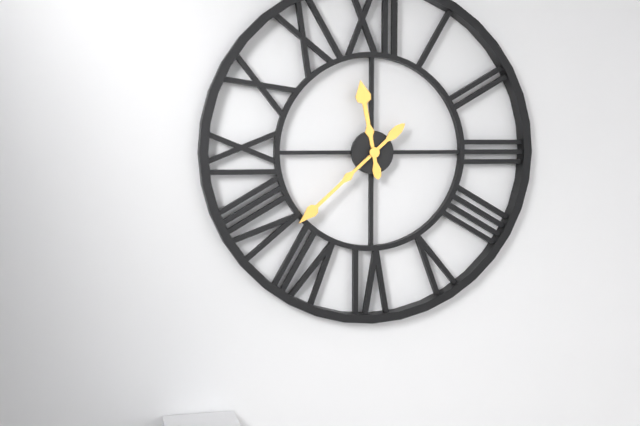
11:38
